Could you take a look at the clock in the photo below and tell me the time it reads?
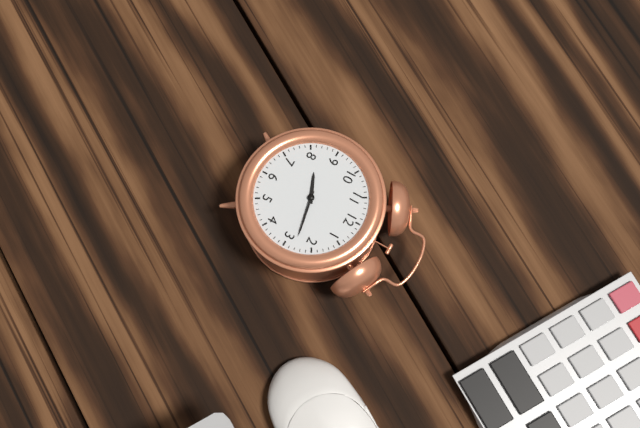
8:13
